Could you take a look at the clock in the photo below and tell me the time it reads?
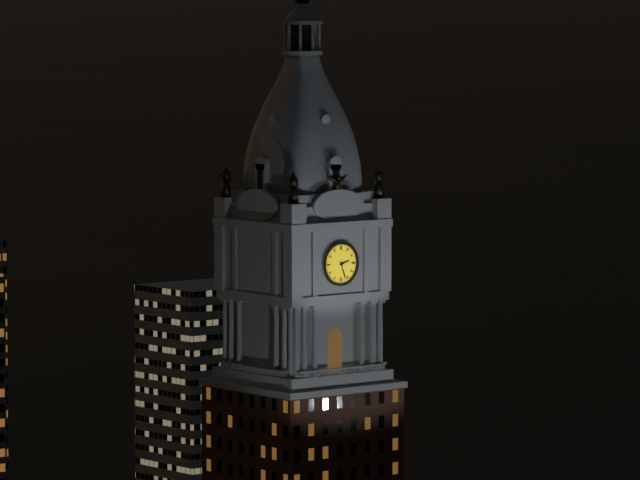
2:27
